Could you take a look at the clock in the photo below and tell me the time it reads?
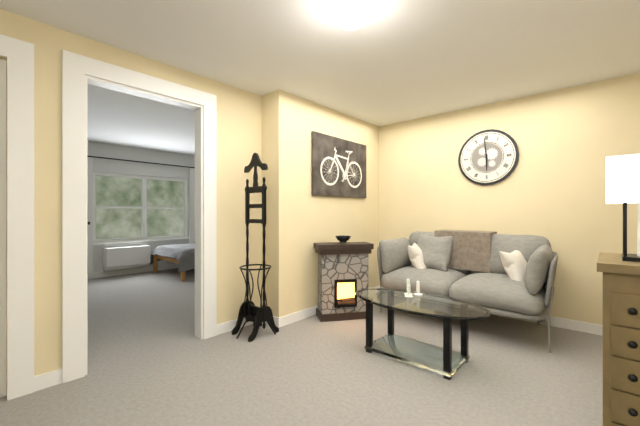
5:59
